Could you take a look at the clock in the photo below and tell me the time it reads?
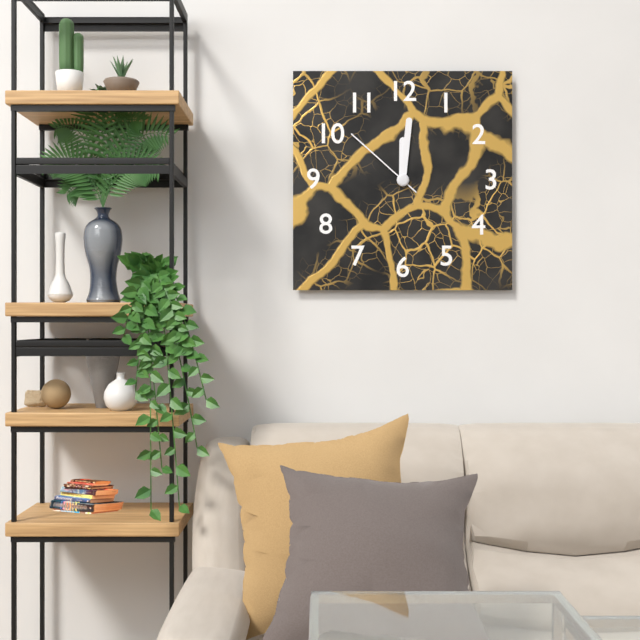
12:01:52
